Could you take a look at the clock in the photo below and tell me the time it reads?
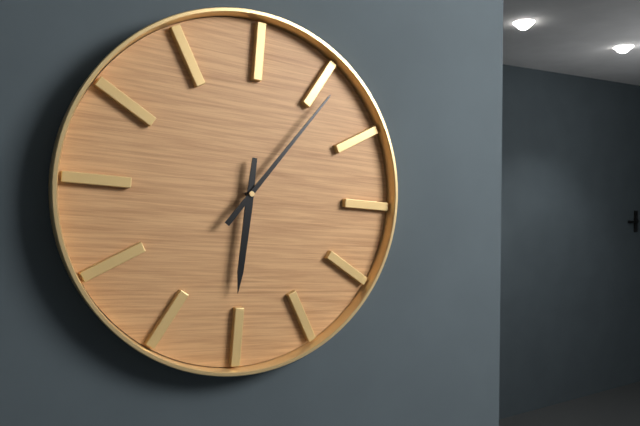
6:06
